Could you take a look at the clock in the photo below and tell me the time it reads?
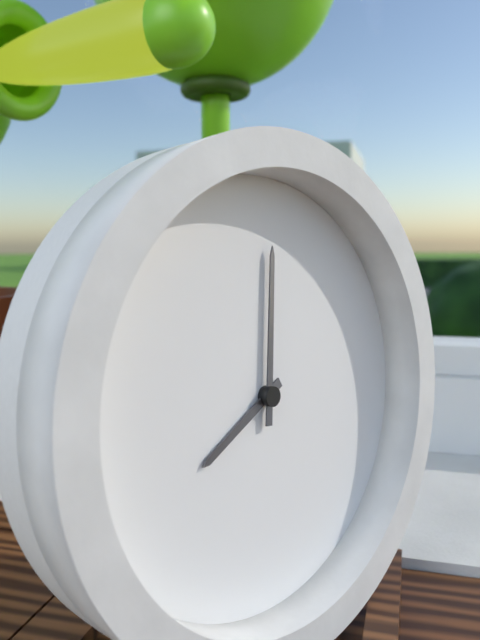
8:01
